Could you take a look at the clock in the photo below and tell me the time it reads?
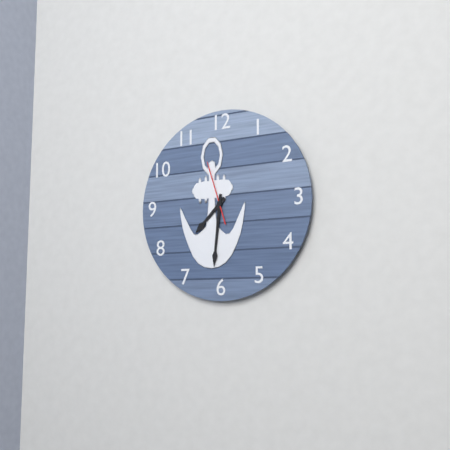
7:31:57
